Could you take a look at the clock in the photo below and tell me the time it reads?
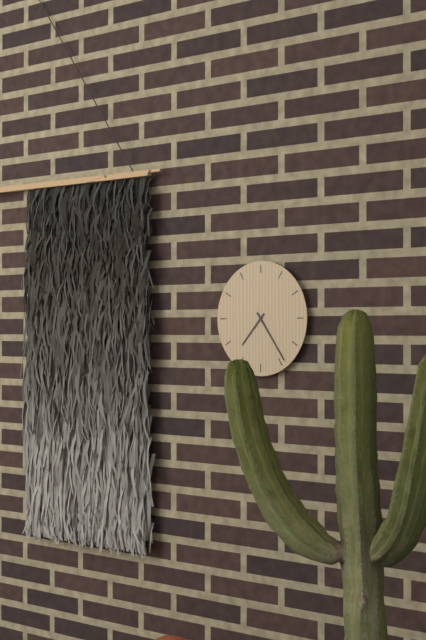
7:24
